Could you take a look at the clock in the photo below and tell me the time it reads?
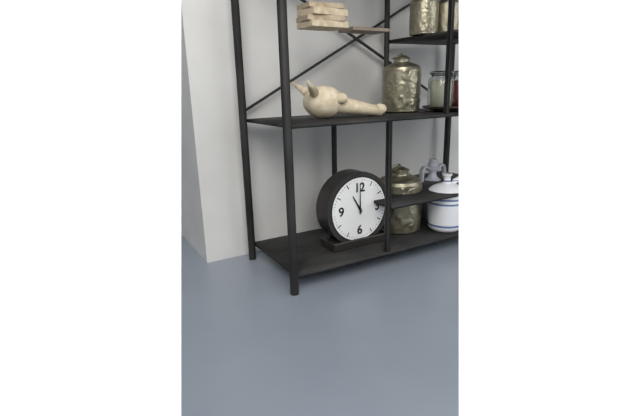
11:00
